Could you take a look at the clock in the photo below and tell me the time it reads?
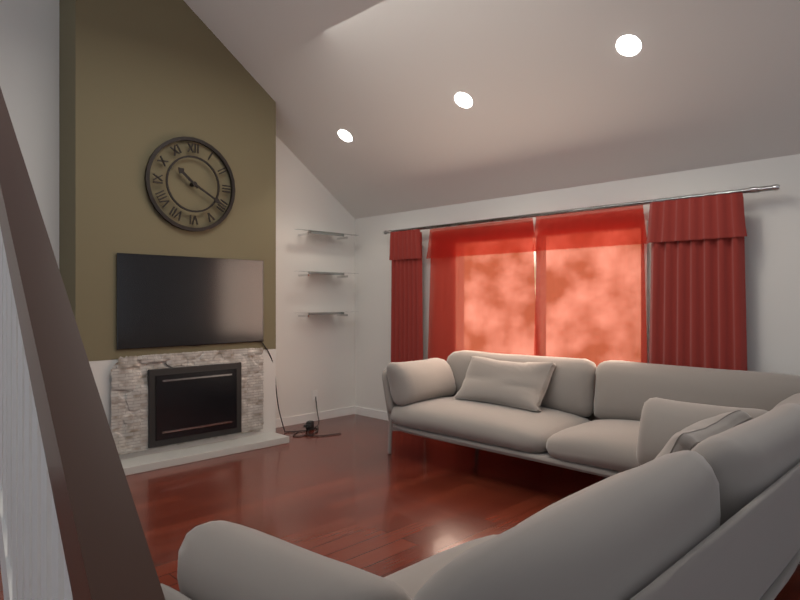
10:20
